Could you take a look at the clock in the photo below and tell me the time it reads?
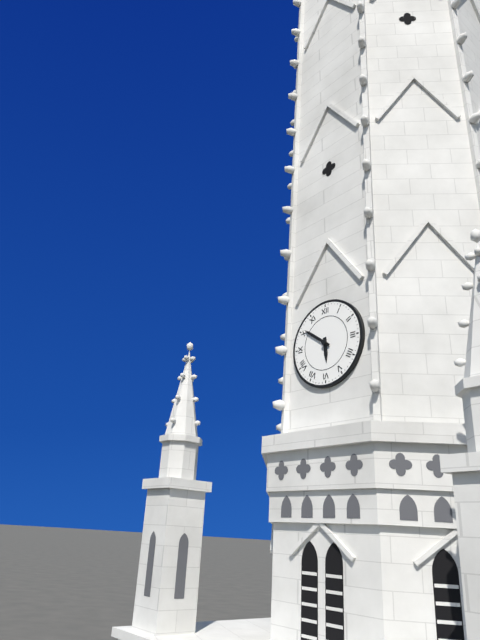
5:51
